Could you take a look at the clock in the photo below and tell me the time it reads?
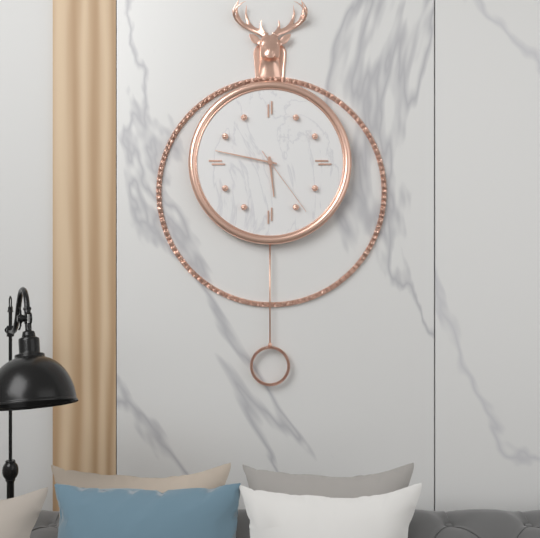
5:47:24
